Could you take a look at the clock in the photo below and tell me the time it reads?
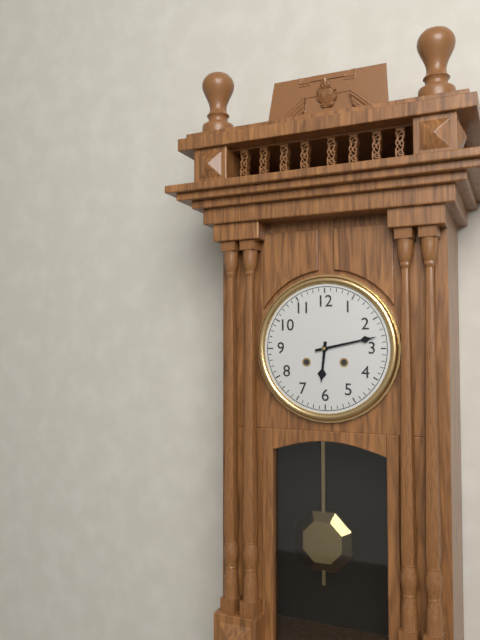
6:13
